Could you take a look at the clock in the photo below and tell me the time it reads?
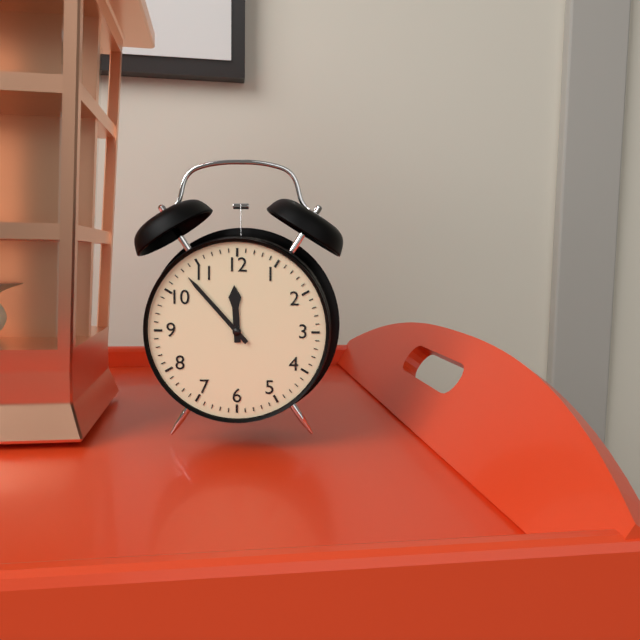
11:53
